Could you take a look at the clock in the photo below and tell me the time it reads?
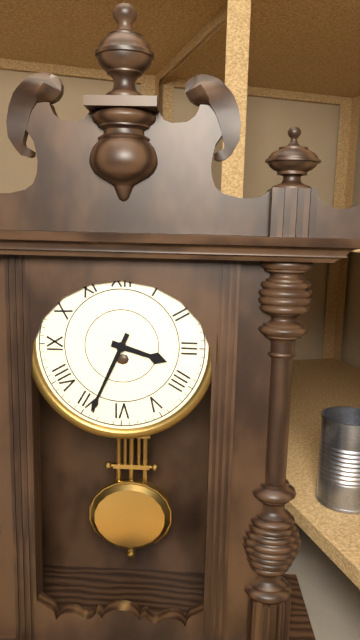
3:34
